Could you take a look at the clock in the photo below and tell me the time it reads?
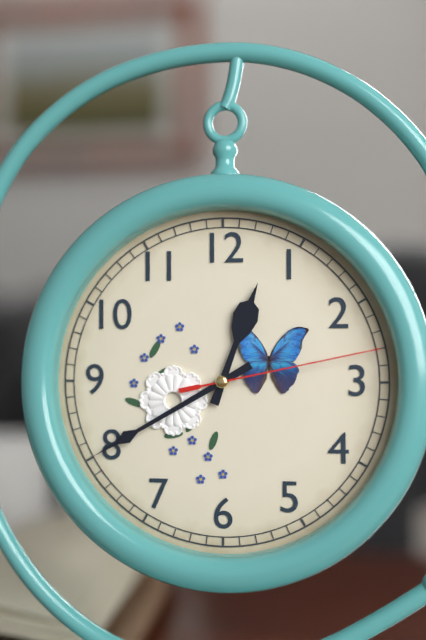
12:40:13
